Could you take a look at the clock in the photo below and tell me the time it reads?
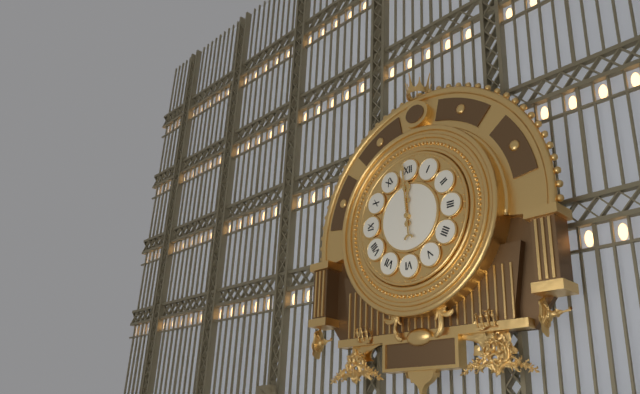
11:59
